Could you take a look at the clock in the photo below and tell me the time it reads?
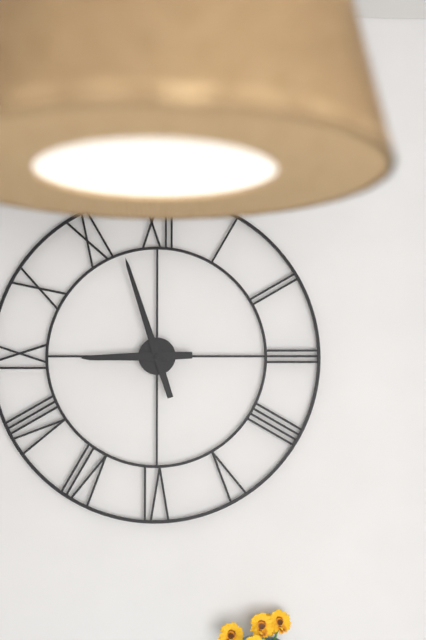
8:57
